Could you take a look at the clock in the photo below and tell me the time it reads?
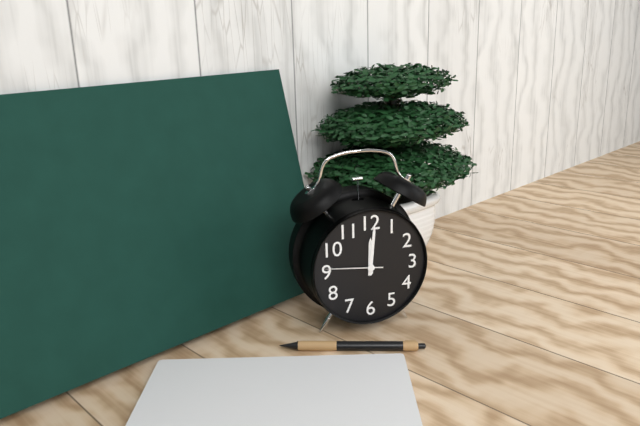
12:01:46
